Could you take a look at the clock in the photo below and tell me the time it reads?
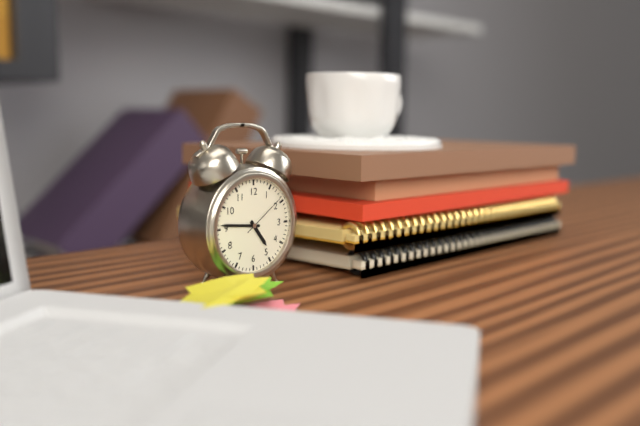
4:46:09
